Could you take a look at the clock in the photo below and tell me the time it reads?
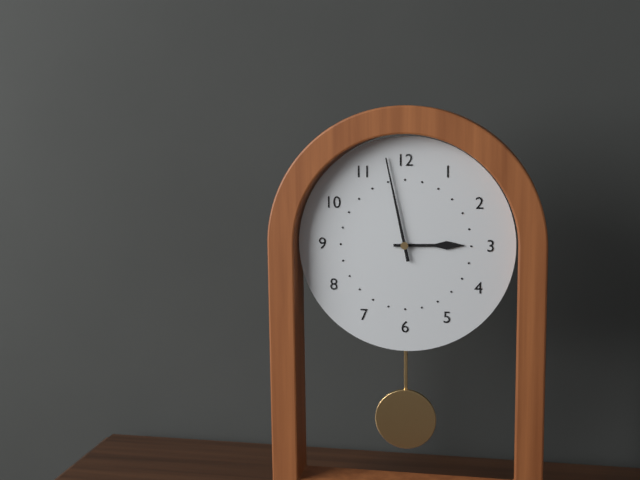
2:58
